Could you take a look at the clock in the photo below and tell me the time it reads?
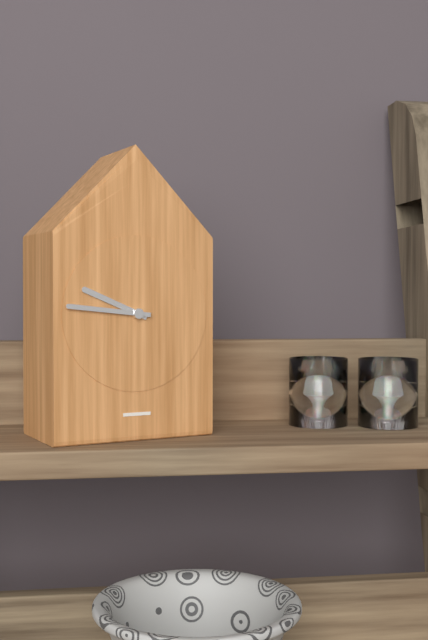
9:46
